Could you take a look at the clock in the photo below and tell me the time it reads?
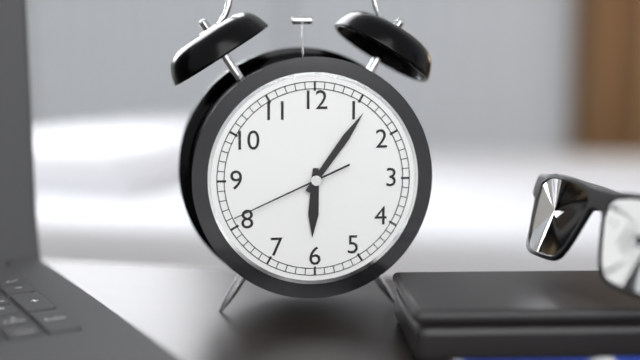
6:06:41
